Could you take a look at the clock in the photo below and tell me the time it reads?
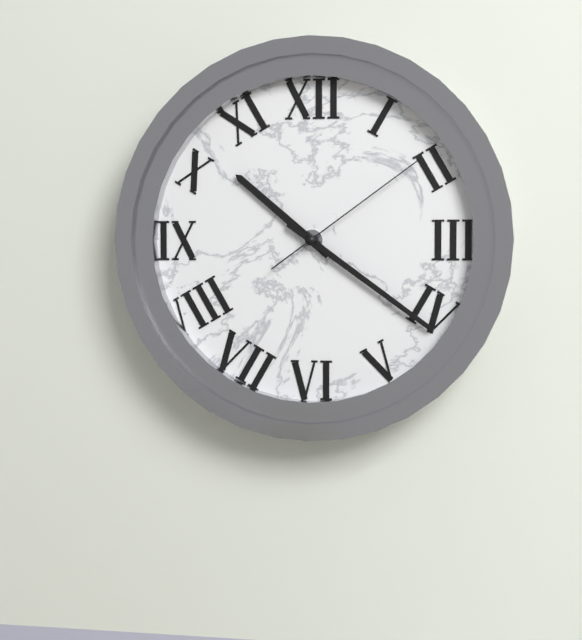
10:21:09
